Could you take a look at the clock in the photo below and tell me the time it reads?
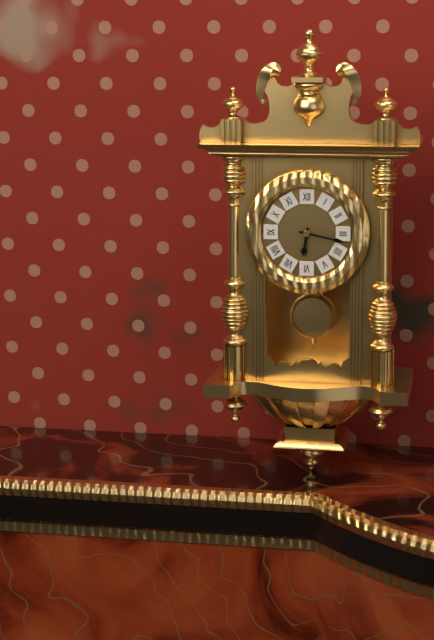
6:17
